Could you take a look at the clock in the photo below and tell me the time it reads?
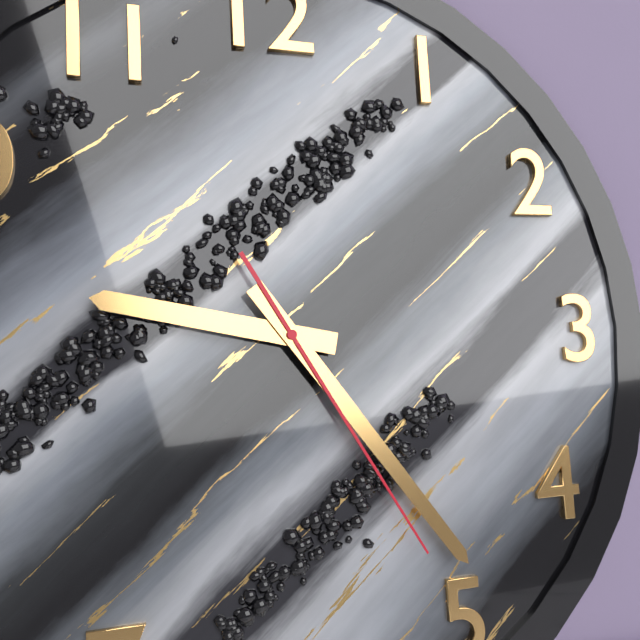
9:24:25
